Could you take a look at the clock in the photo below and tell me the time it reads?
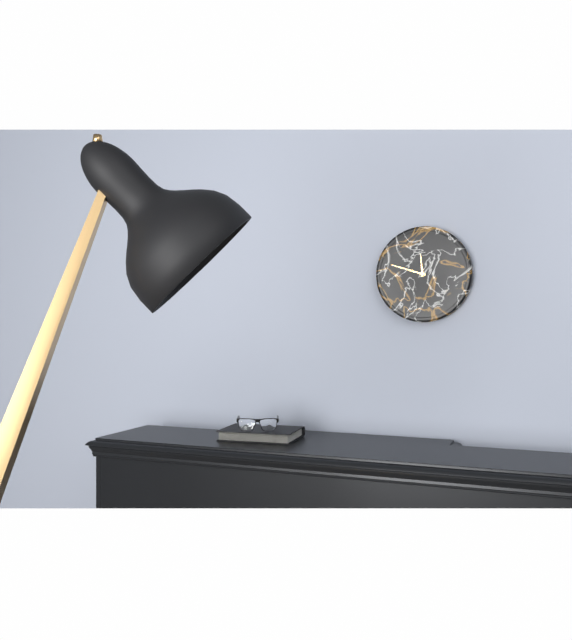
11:48
